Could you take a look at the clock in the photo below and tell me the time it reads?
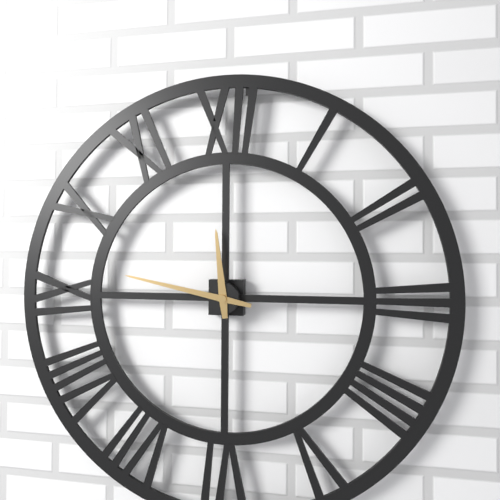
11:47
